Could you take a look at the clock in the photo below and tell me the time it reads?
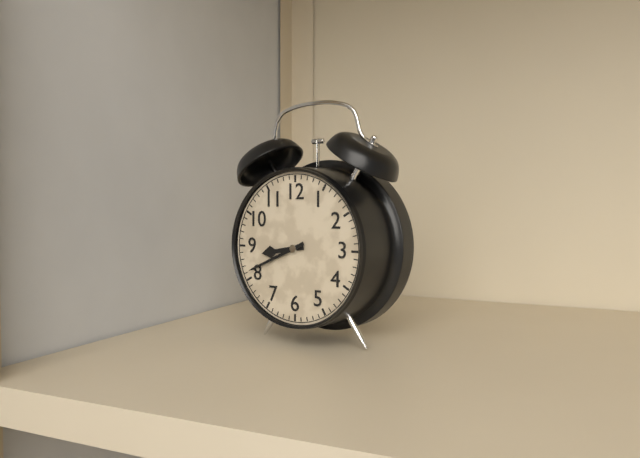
8:41
